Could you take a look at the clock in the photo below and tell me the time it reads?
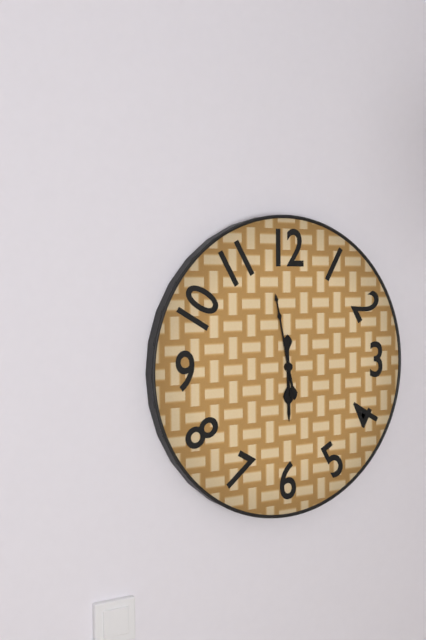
5:58
